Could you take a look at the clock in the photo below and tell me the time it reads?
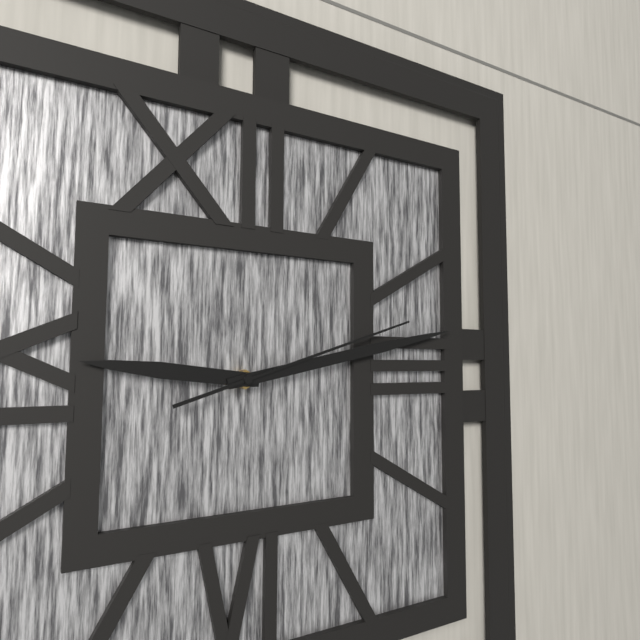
9:13:12
